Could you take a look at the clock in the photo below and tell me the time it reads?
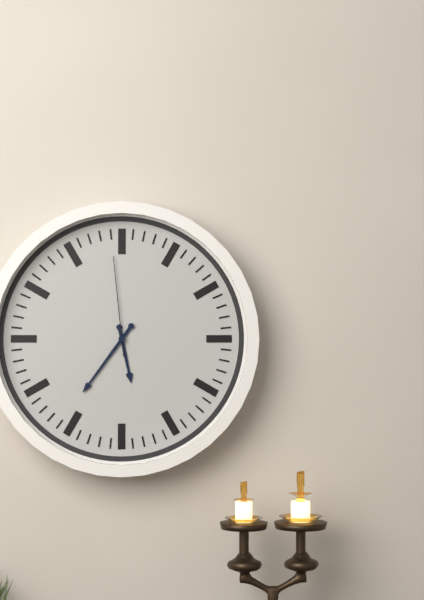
5:36:59
